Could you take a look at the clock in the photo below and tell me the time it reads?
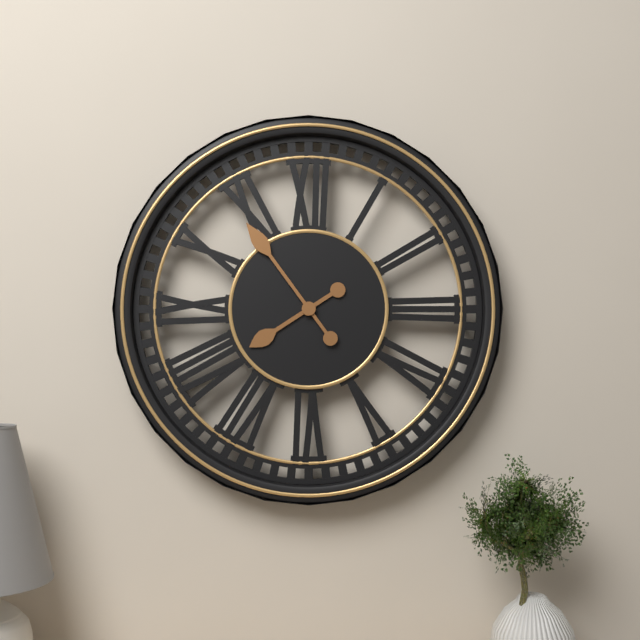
7:54
